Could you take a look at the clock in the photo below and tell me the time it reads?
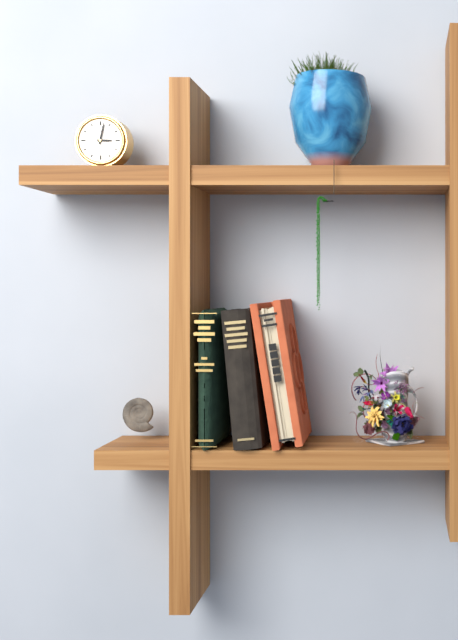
3:02
